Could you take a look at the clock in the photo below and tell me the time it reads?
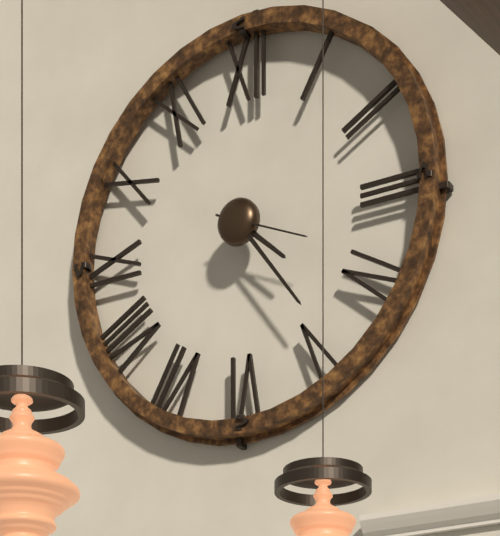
4:24:19
